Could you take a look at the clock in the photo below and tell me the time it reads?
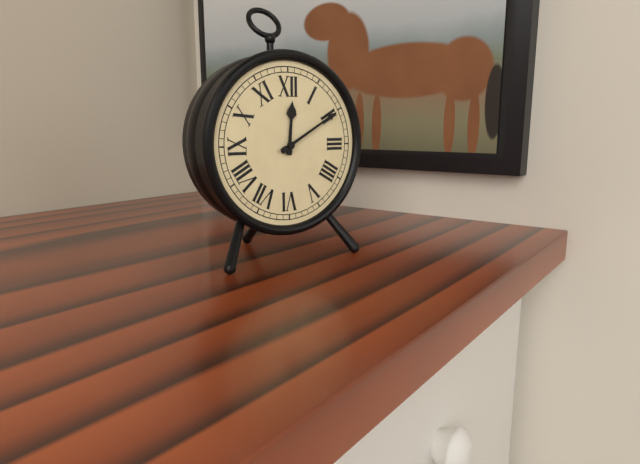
12:10
